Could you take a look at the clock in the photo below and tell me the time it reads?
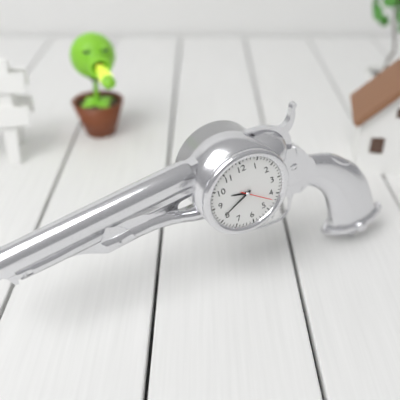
9:41
